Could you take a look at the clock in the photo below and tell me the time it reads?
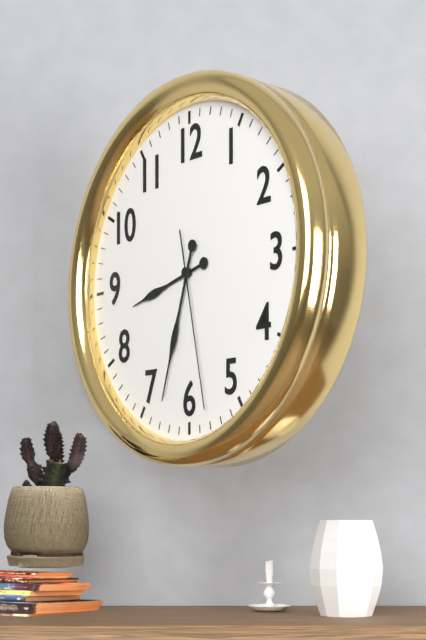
8:33:28
